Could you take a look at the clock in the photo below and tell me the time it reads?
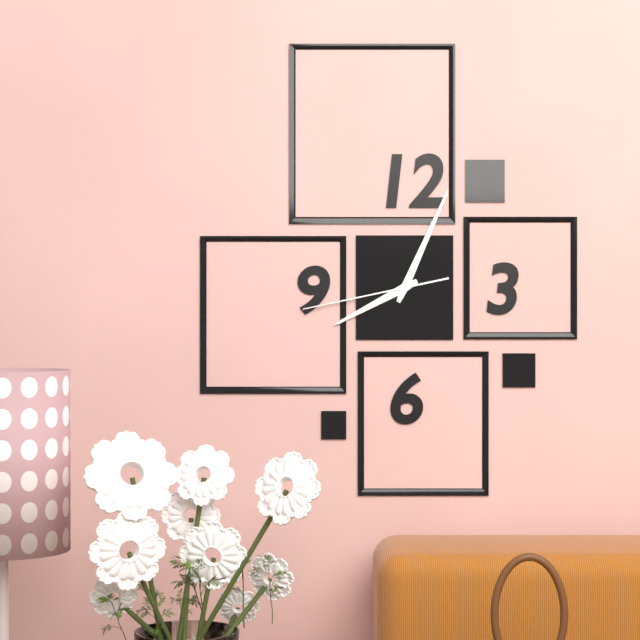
8:04:43
